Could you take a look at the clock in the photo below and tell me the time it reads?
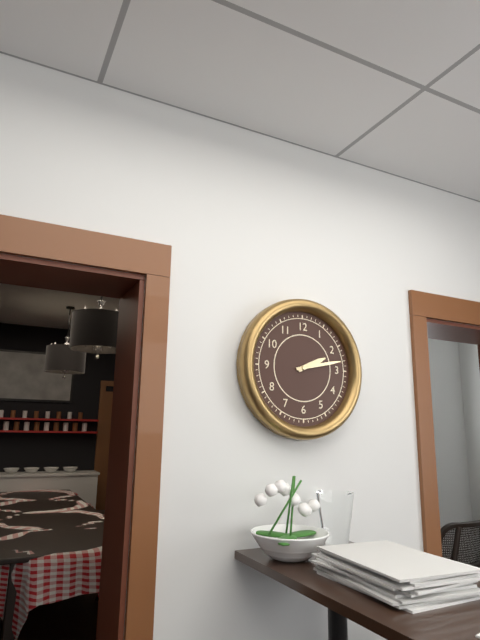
2:13
